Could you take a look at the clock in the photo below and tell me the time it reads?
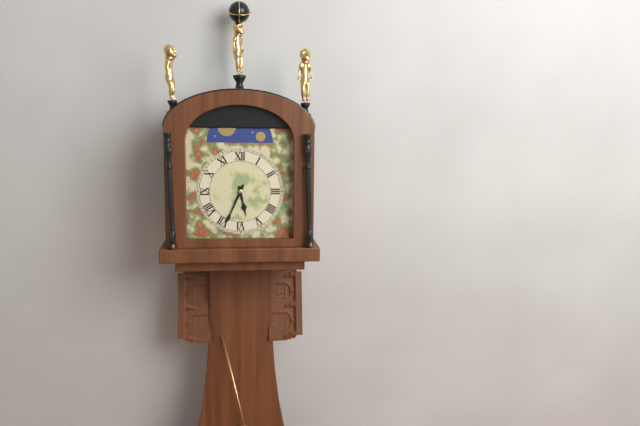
5:34
